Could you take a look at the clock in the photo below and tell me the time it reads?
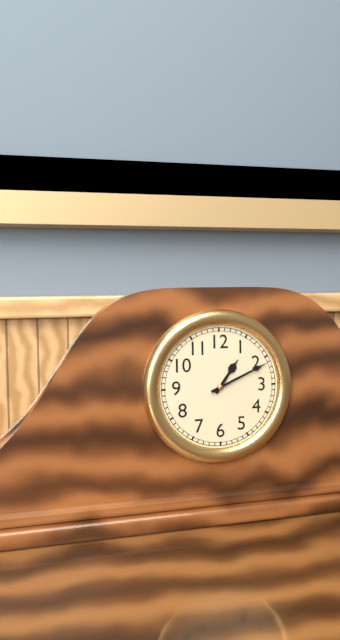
1:11
